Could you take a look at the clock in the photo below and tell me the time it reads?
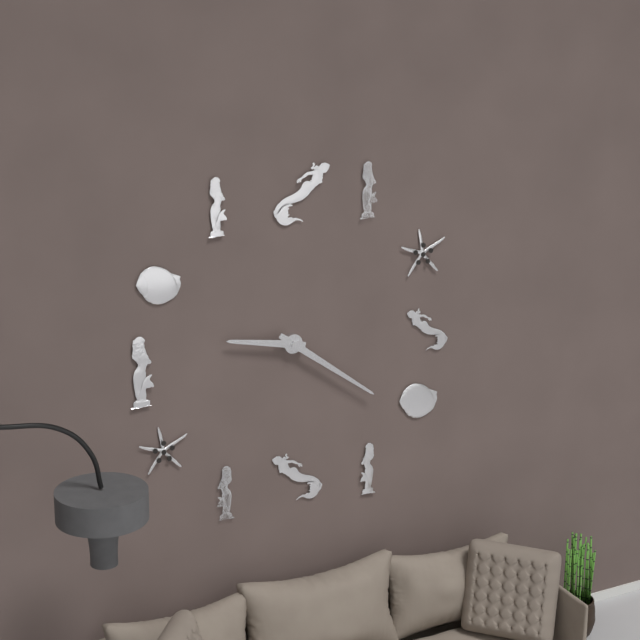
9:21
